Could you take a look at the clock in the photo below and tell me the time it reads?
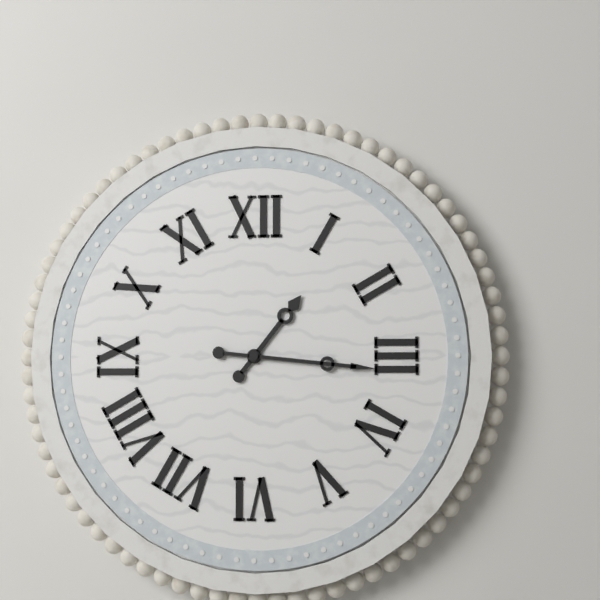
1:16
